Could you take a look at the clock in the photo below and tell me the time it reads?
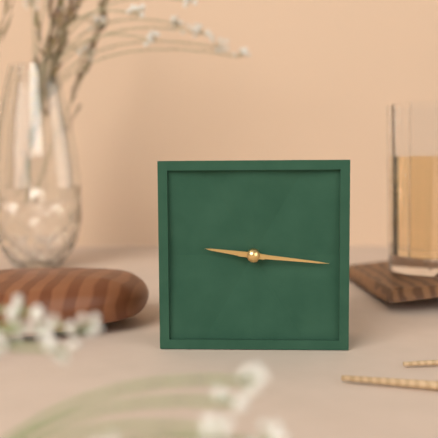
9:16
